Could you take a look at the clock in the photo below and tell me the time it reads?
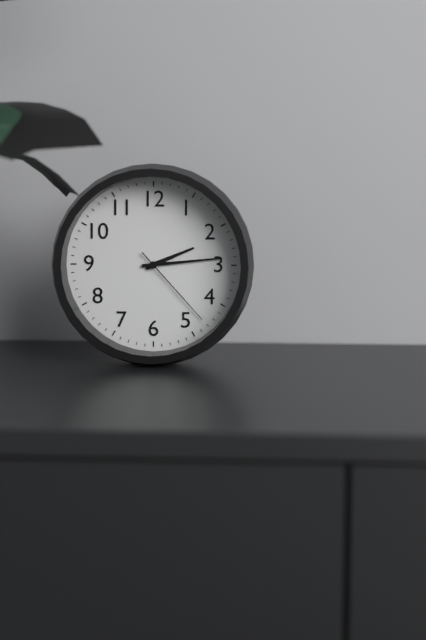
2:14:23
